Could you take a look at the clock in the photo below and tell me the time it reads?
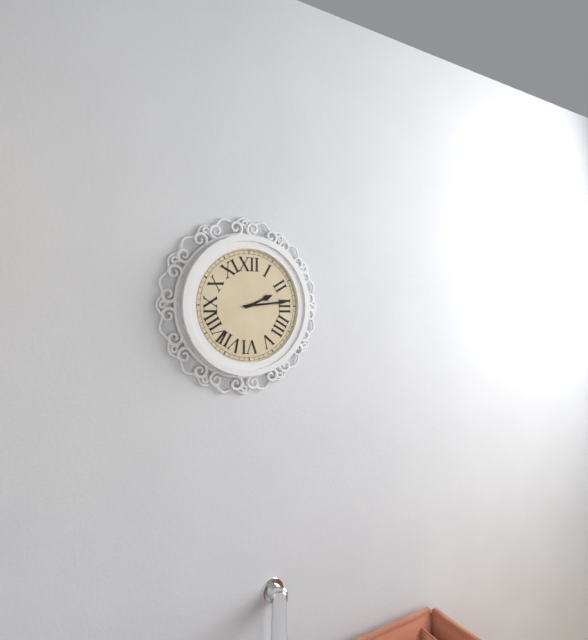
2:14
